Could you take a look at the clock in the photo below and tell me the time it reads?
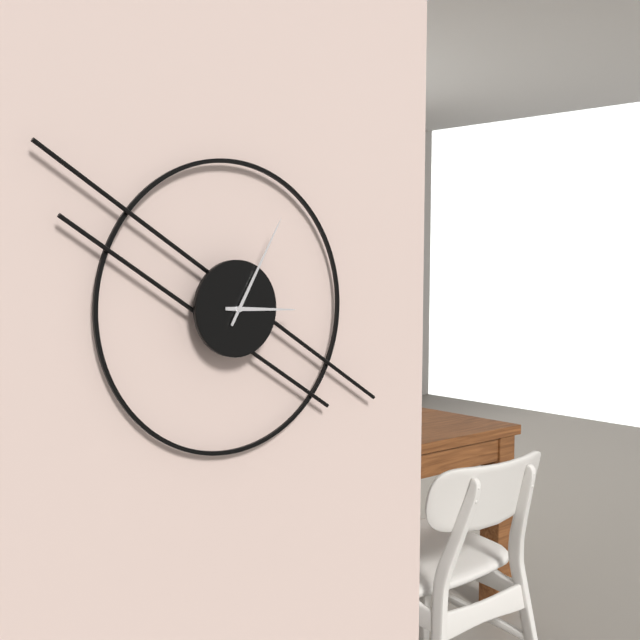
3:05
